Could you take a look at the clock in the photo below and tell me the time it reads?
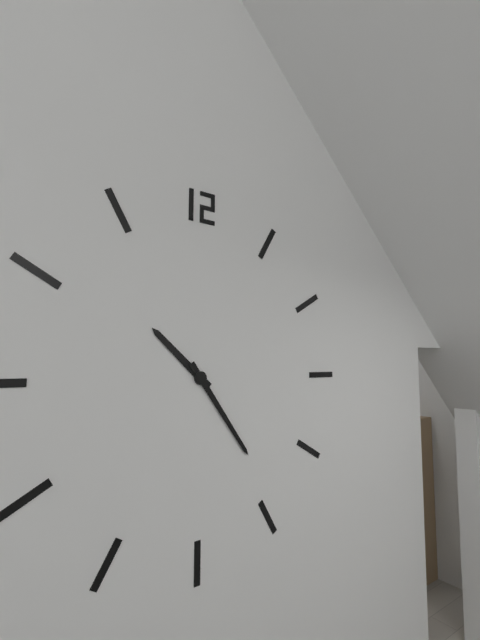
10:24
